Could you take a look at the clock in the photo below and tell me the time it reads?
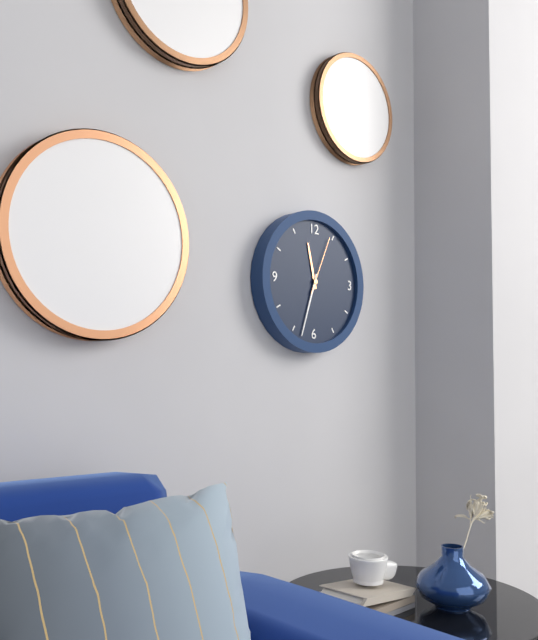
11:33:04
